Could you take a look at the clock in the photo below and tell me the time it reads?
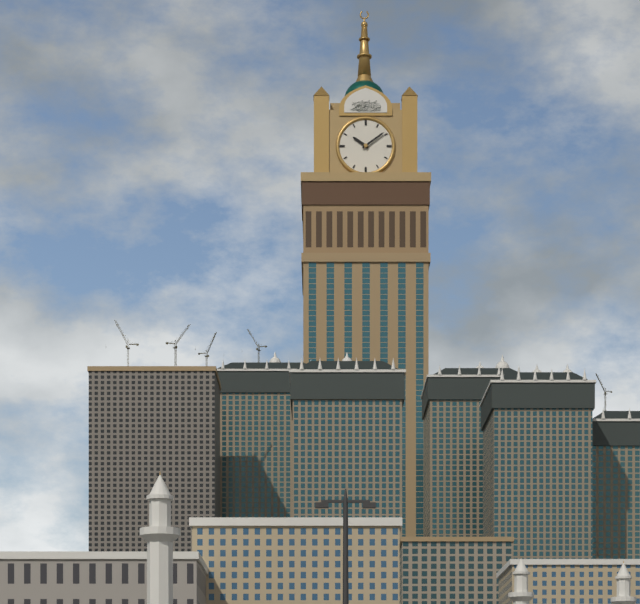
10:09
